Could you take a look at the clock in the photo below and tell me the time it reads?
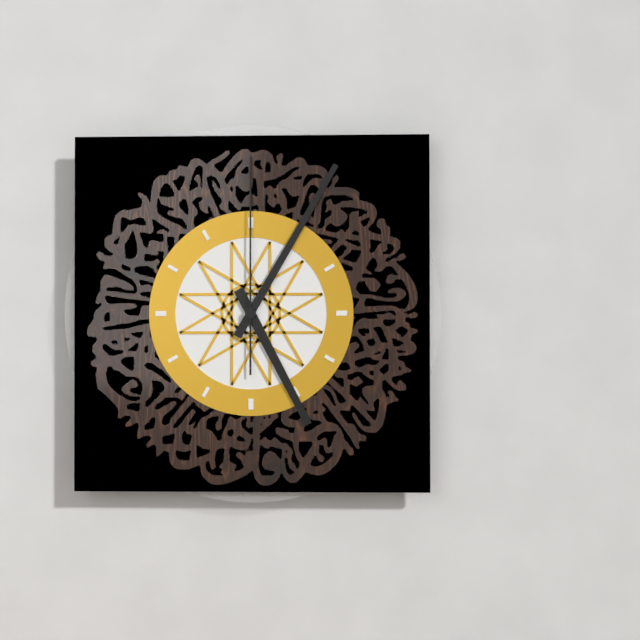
5:05:00
